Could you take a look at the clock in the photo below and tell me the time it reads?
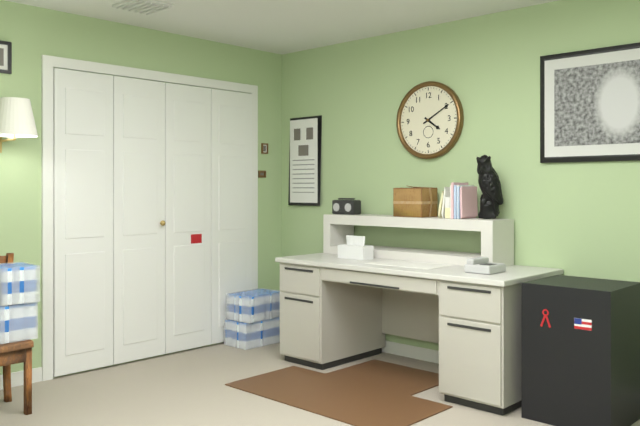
4:10
